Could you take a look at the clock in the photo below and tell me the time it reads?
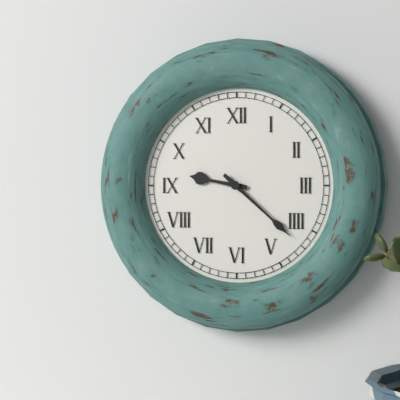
9:22
